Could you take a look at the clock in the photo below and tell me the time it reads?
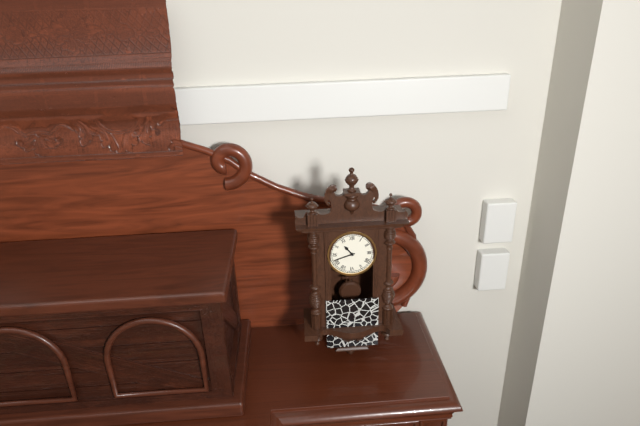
10:42
